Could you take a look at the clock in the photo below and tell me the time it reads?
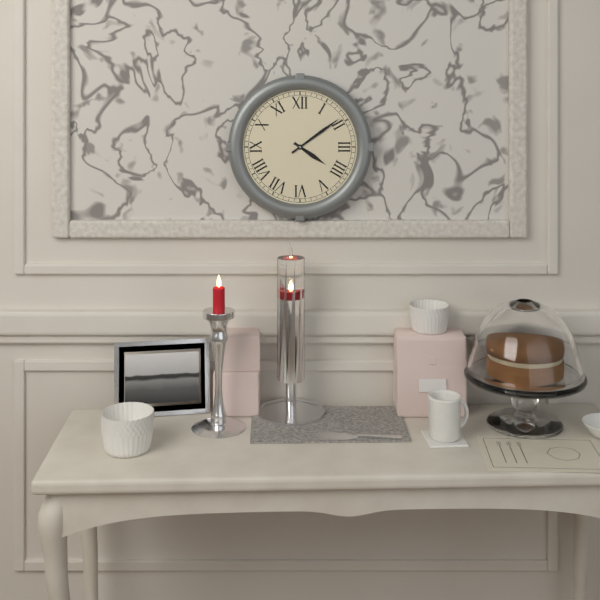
4:09
